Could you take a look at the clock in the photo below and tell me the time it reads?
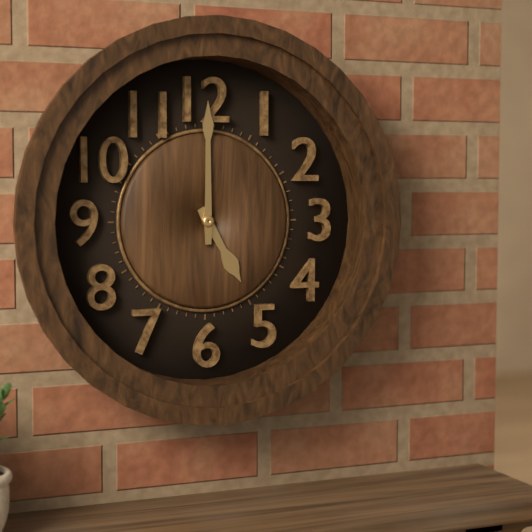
5:00
